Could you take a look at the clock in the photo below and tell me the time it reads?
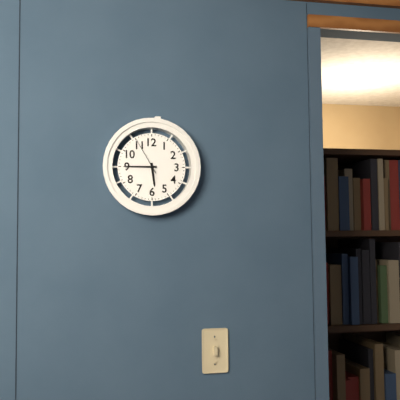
5:45
